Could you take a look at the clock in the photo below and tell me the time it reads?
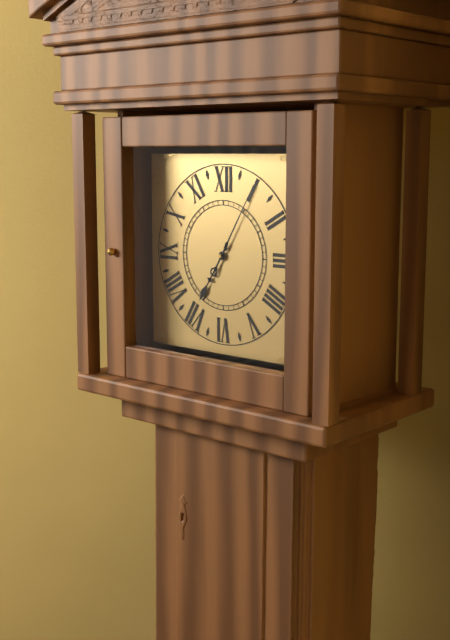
7:05
